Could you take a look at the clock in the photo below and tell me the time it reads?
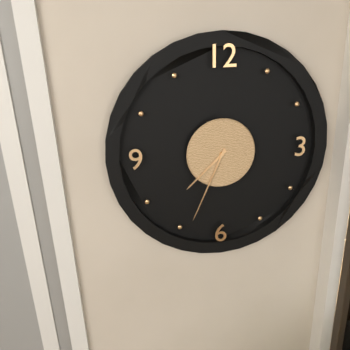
7:34
